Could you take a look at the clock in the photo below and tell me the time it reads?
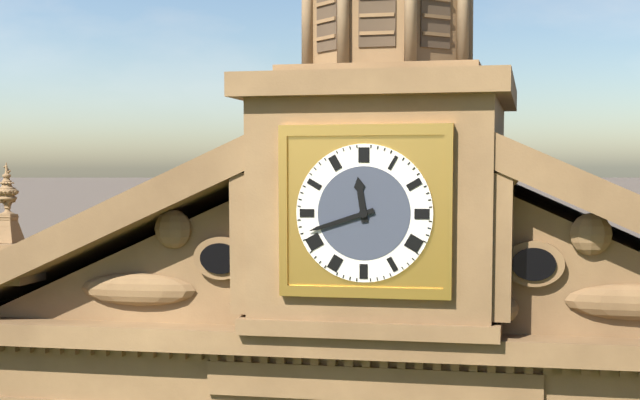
11:42
